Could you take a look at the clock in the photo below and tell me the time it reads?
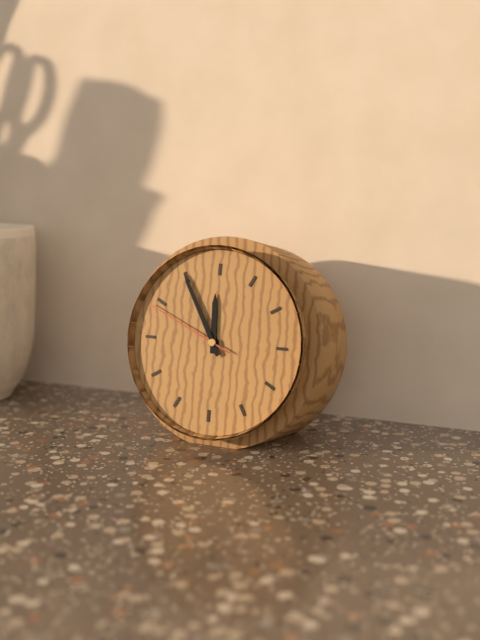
11:55:49
